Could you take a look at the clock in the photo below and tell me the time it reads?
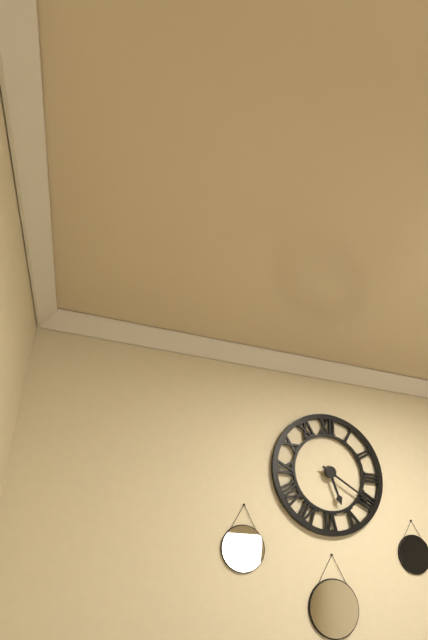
5:20
